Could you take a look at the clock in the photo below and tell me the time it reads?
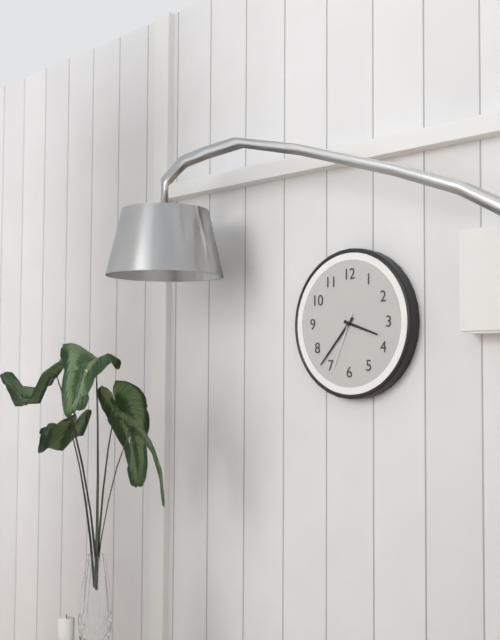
3:37:34
